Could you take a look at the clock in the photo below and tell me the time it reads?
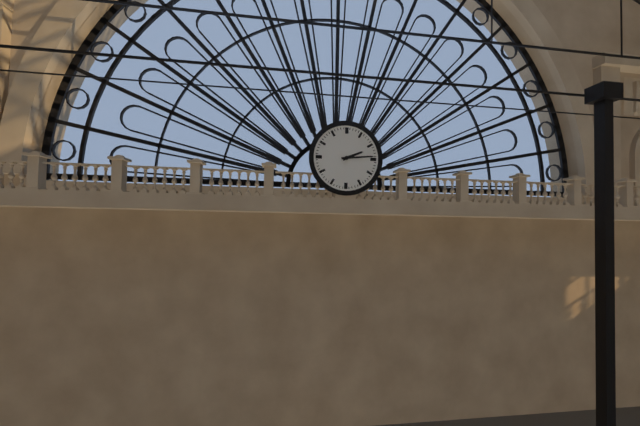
2:14
